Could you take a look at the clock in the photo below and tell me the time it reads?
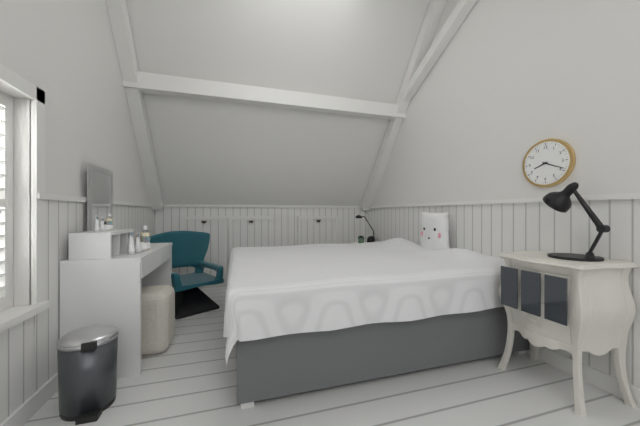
8:19
